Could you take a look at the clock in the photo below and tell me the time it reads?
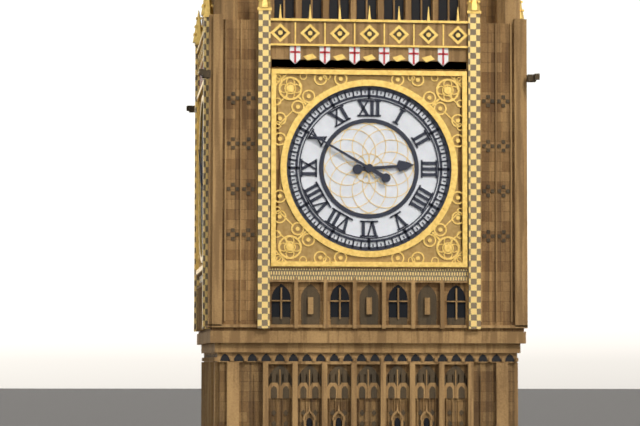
2:50
